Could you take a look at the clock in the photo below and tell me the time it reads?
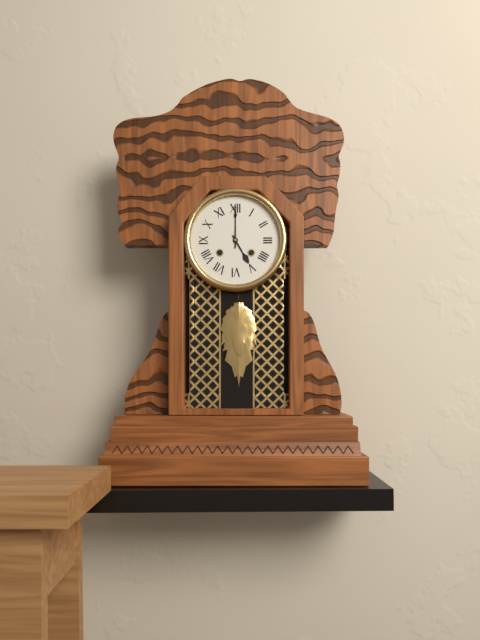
5:00
